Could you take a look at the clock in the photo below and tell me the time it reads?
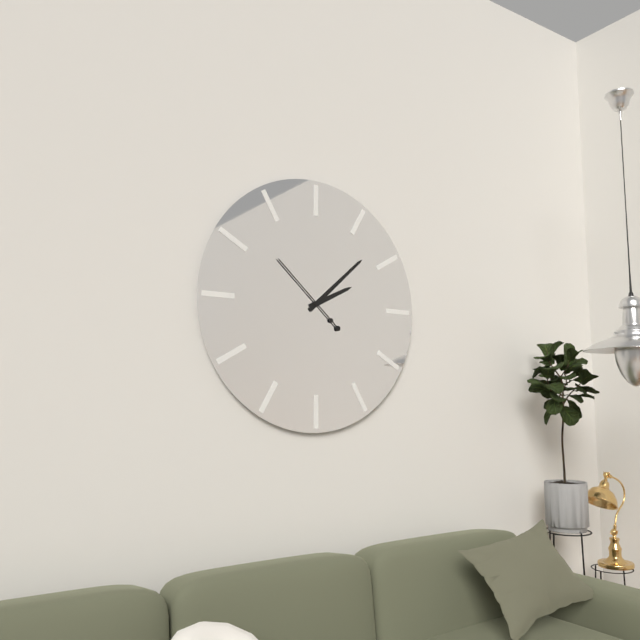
2:08:52
